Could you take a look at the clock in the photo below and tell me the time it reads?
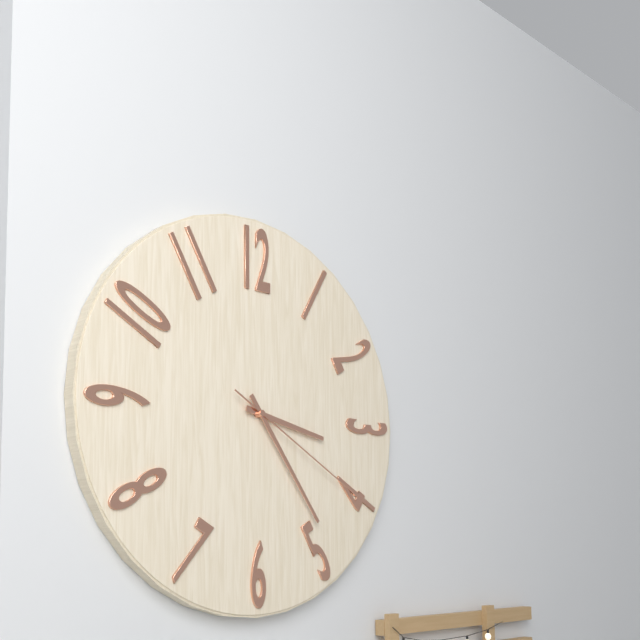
3:24:20
